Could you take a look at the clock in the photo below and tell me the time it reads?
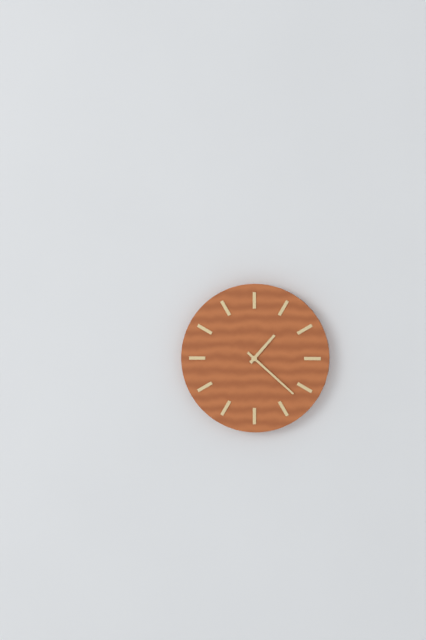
1:22
